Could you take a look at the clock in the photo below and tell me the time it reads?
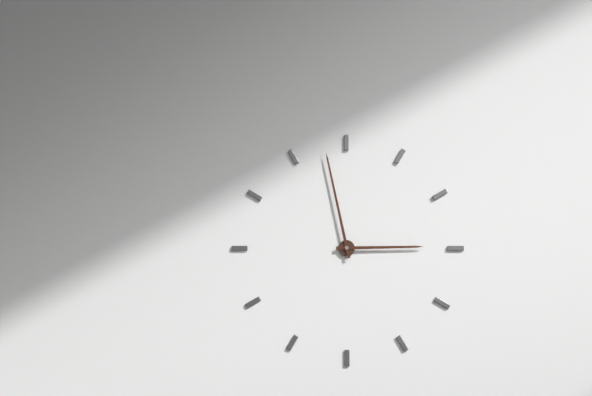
2:58
